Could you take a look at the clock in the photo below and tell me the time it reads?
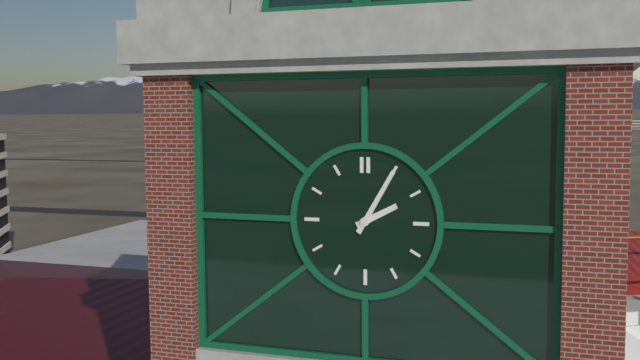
2:05
